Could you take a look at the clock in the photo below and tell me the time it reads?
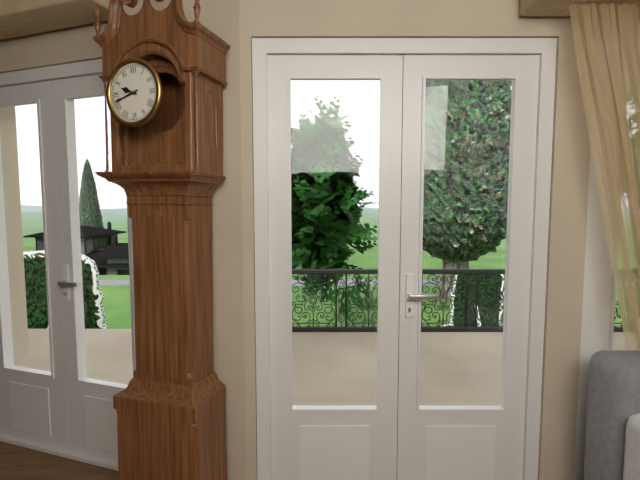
9:42
